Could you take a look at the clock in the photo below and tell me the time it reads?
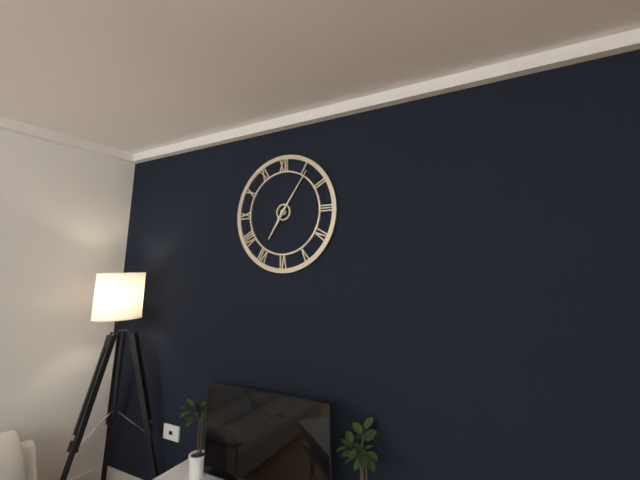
7:06
